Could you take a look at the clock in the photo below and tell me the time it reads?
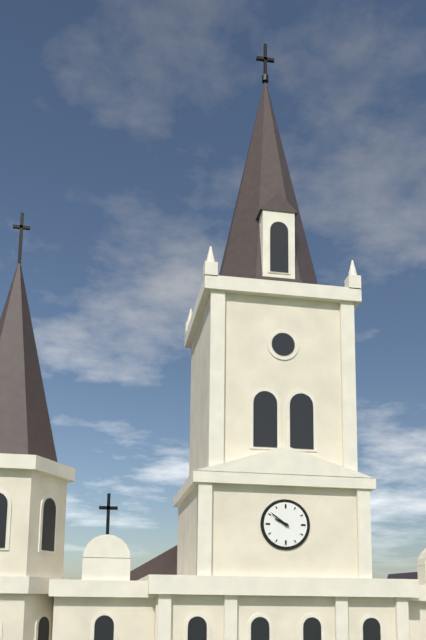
9:51
